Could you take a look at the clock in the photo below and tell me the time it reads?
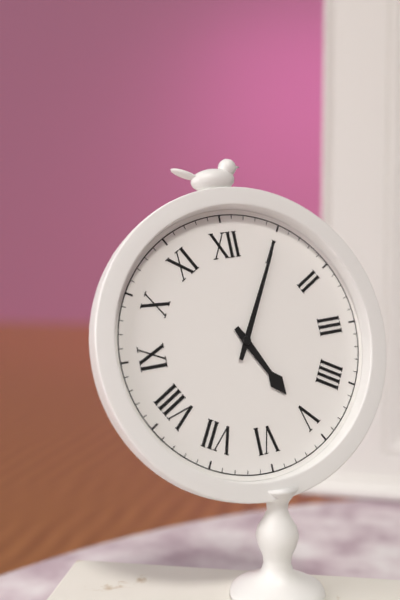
5:05
